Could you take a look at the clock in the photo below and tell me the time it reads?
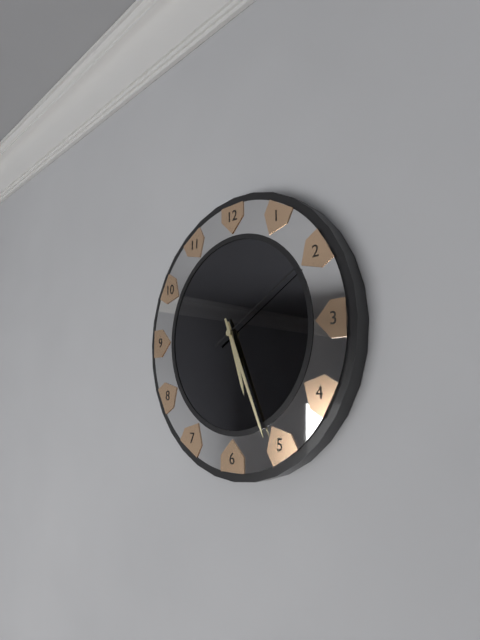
5:26:10
